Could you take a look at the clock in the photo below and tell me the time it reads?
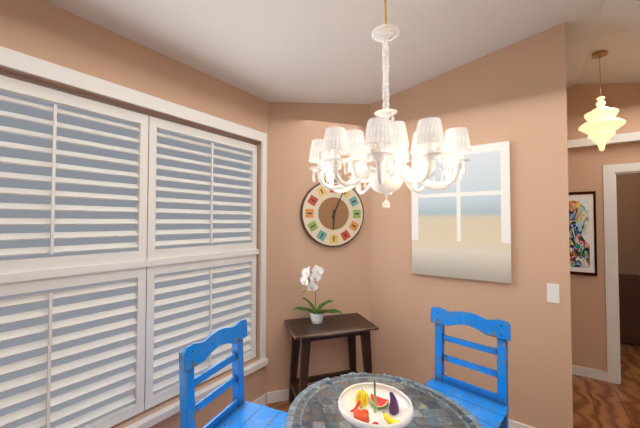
6:04
